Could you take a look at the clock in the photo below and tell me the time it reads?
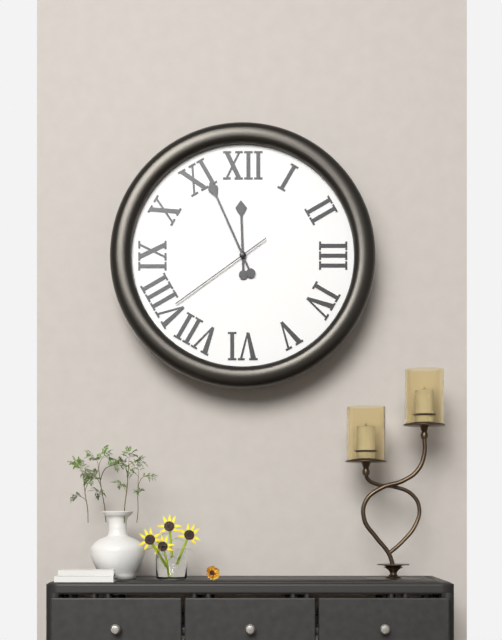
11:56:39
